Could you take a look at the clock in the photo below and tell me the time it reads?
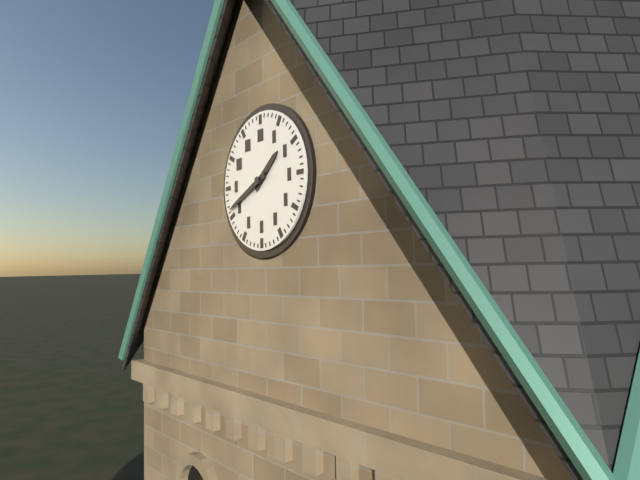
1:41
